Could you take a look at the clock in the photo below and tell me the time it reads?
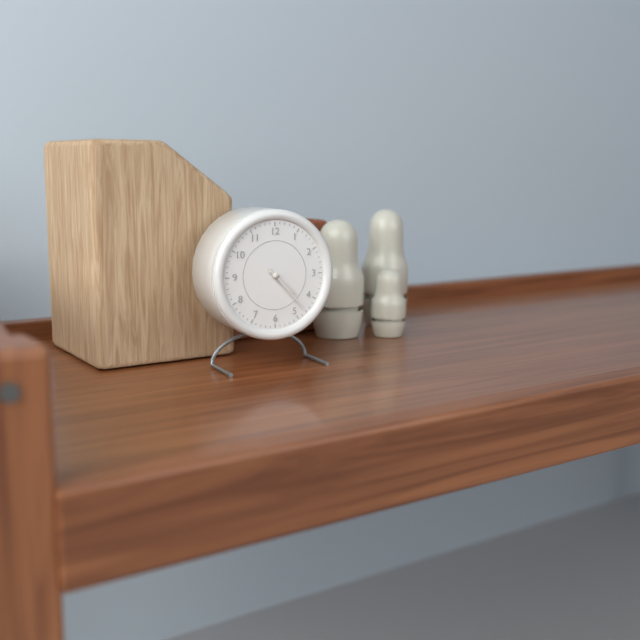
4:23
